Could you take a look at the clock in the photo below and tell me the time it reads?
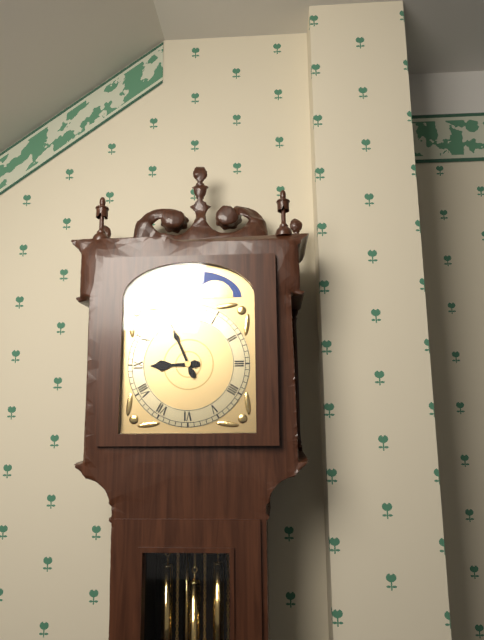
8:56
